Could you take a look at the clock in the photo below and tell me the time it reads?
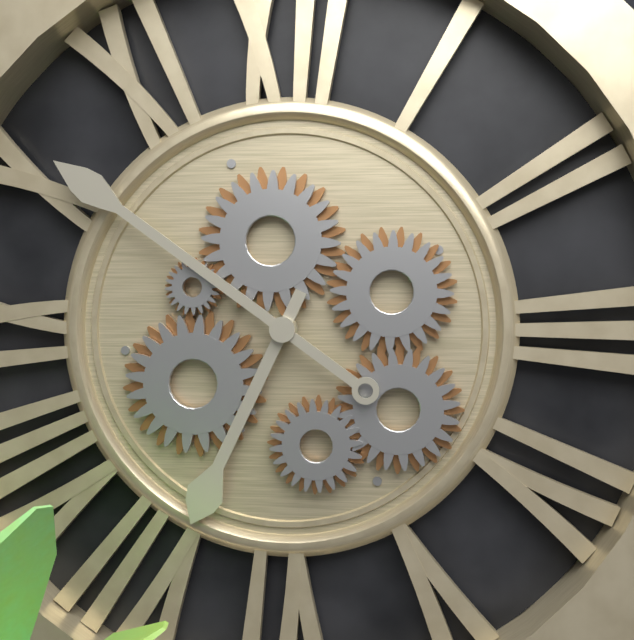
6:51
